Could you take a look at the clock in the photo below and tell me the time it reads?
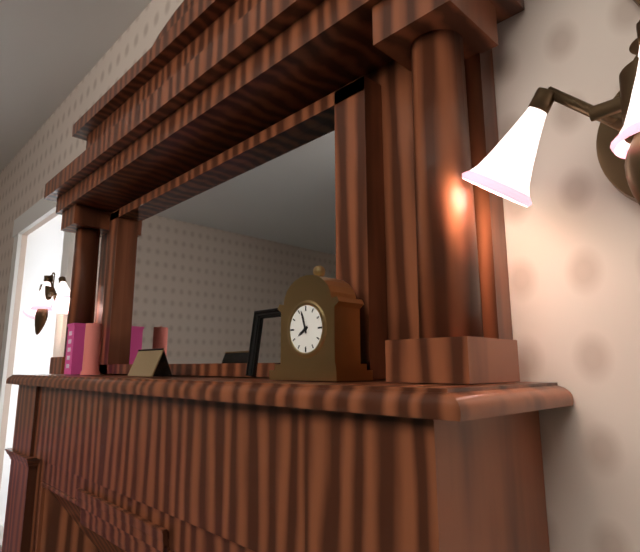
7:57
